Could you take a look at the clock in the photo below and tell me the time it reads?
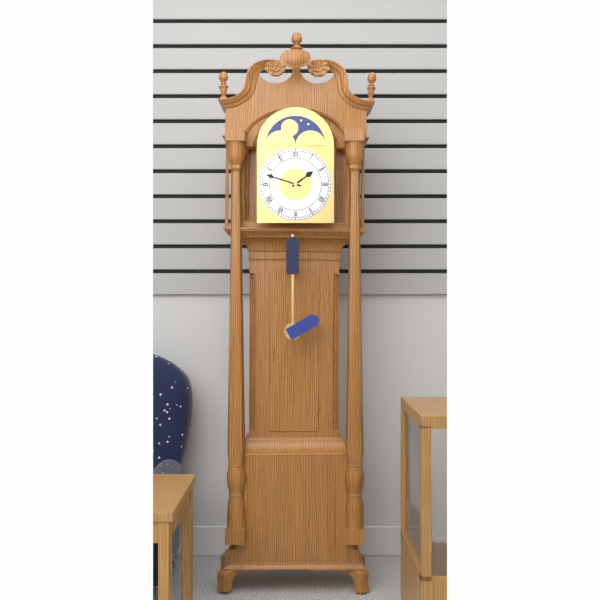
1:48
